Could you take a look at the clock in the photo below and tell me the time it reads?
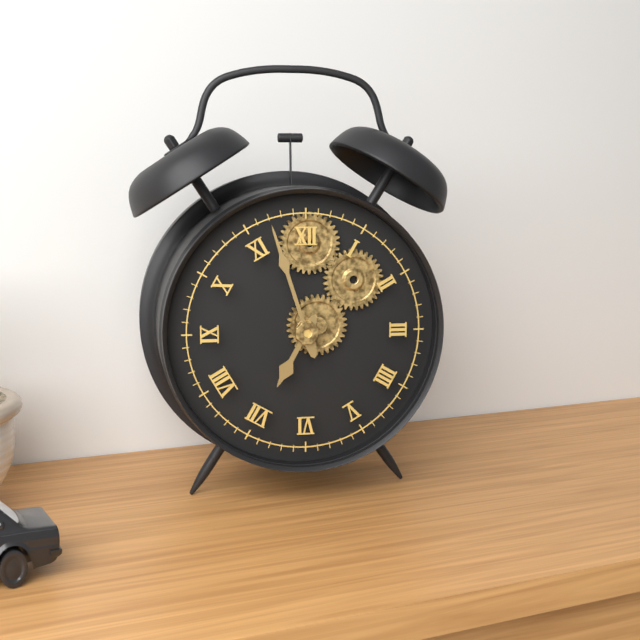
6:57
